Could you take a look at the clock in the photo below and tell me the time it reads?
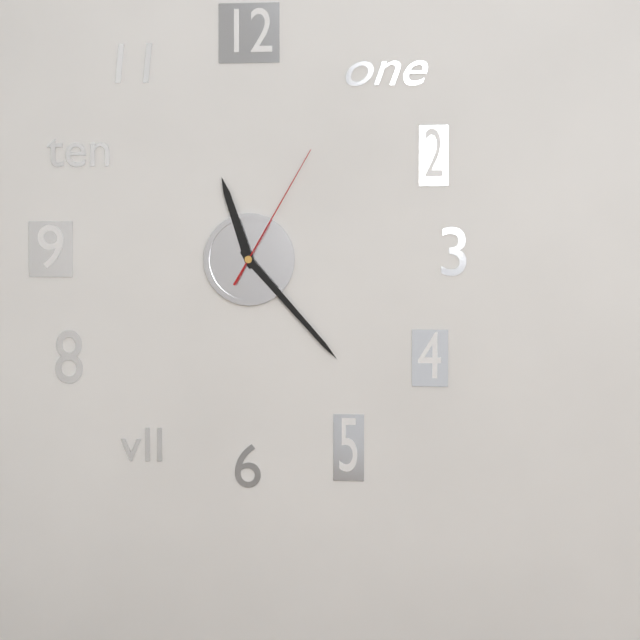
11:23:05
